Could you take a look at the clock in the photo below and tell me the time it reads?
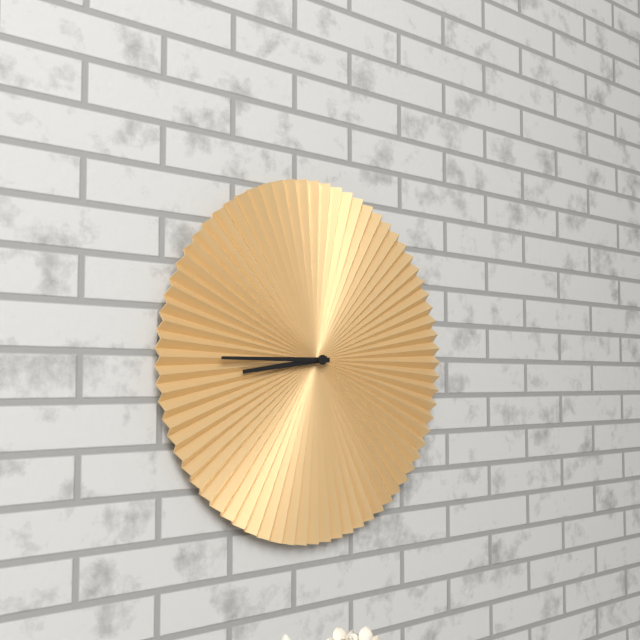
8:45
